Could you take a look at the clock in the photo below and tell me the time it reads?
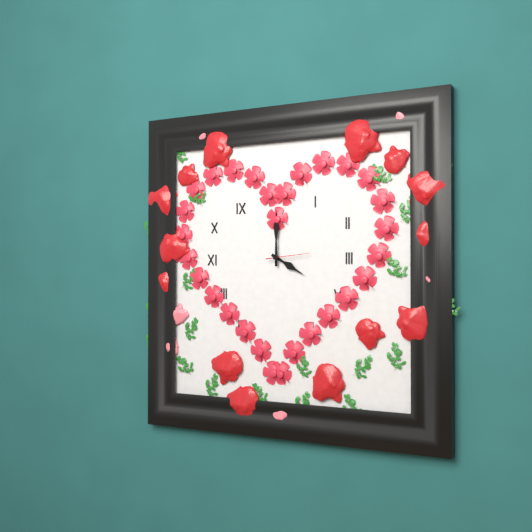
4:00
